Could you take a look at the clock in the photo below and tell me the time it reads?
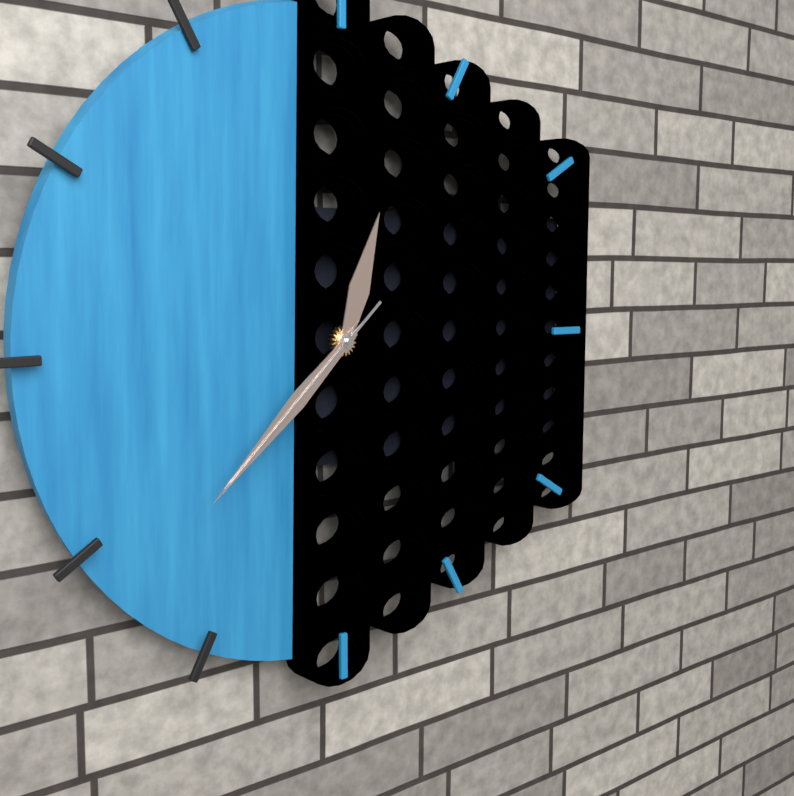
12:38:38
